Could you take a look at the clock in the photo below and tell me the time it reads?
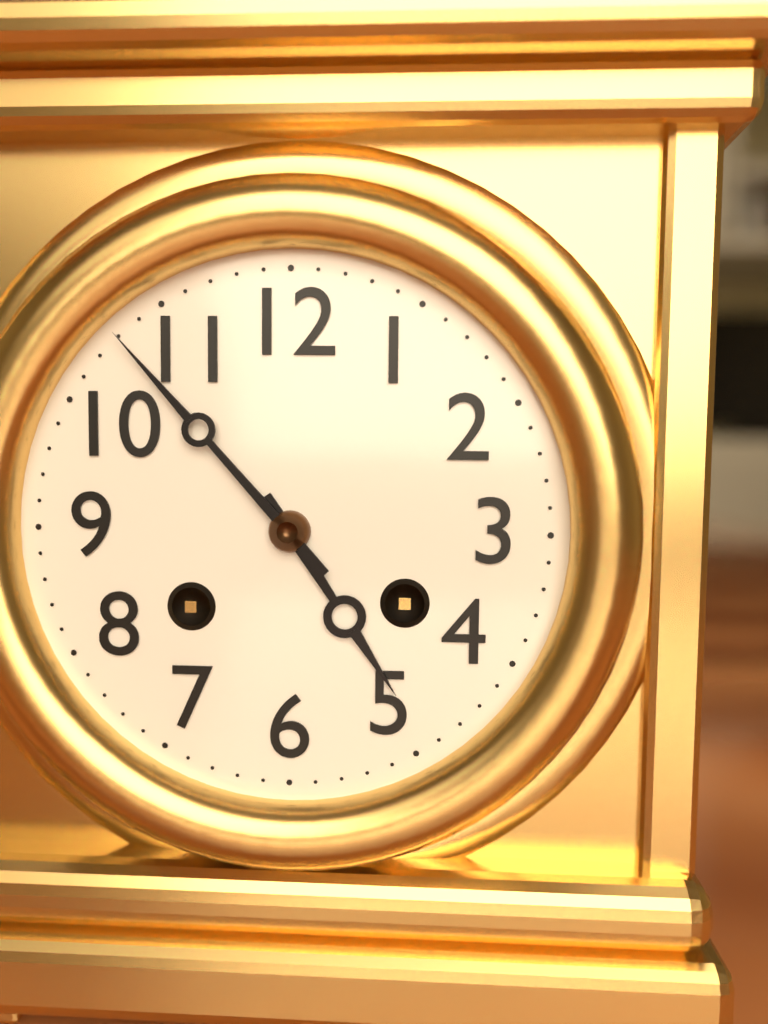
4:53
